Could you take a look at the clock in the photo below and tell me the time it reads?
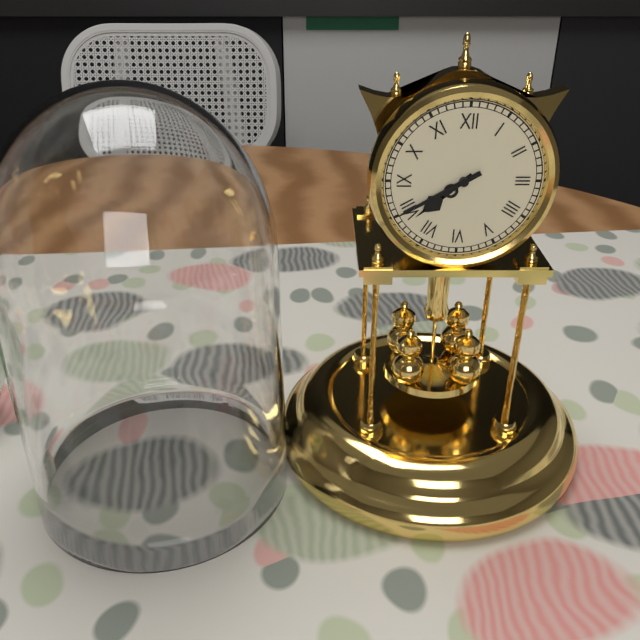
7:40
